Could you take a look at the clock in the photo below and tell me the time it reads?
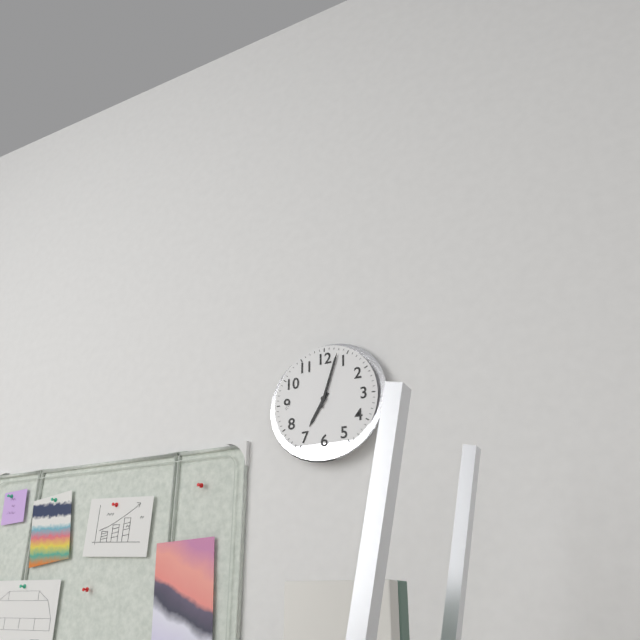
7:03
